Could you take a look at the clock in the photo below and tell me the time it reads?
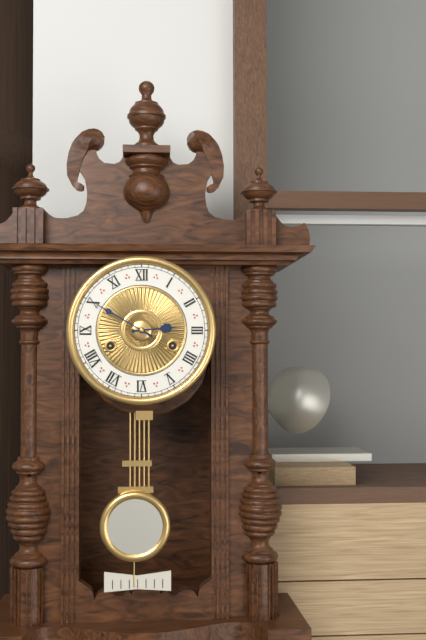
2:50
